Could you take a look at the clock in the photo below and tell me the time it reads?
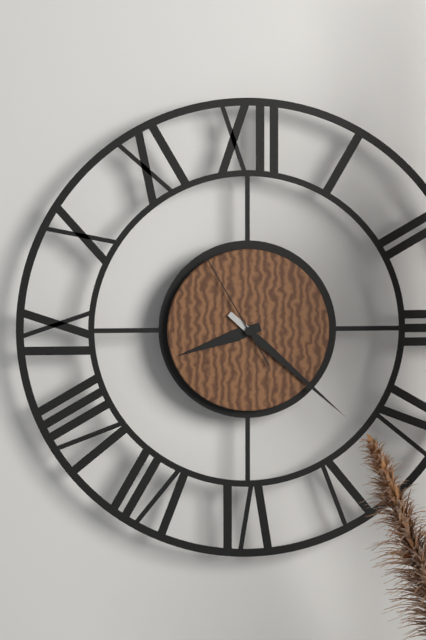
8:22:55
